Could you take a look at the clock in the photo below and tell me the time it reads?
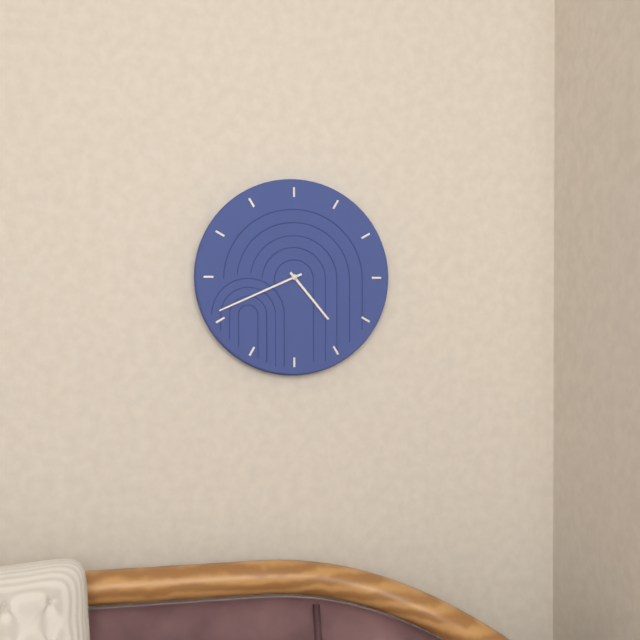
4:41
